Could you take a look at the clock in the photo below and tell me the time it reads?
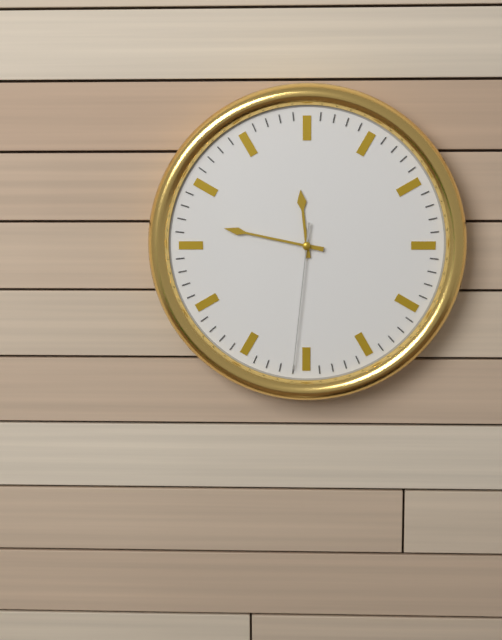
11:47:31
